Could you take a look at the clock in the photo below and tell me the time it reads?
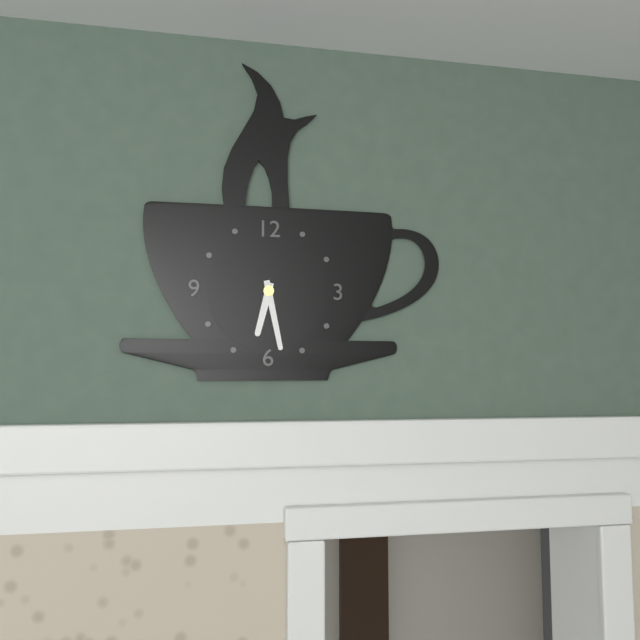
6:28
